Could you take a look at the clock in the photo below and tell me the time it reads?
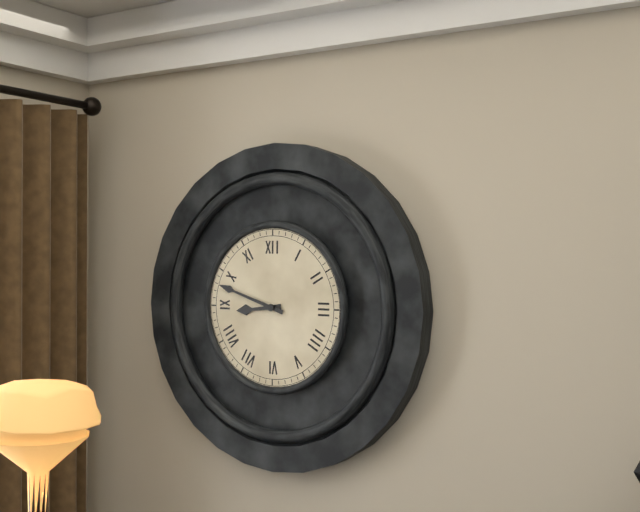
8:48
